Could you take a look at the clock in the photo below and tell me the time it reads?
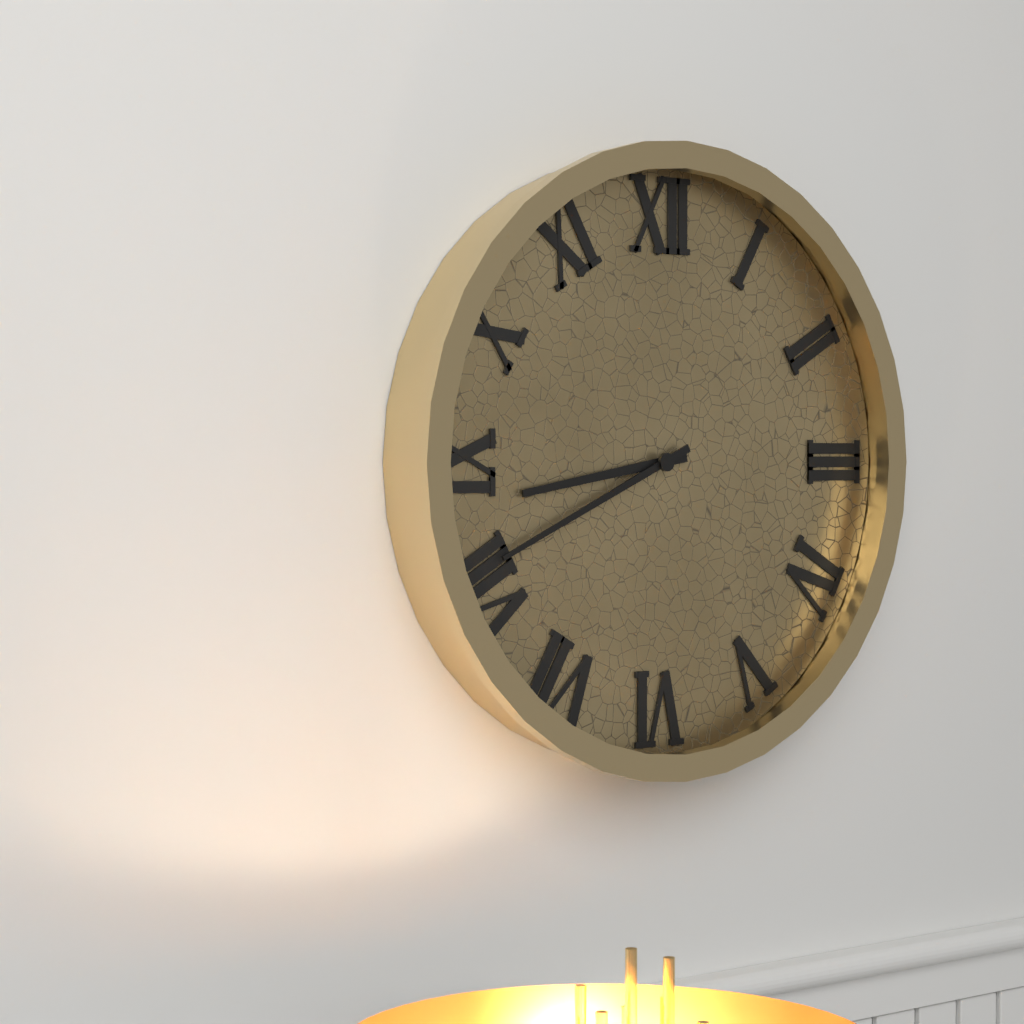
8:41
